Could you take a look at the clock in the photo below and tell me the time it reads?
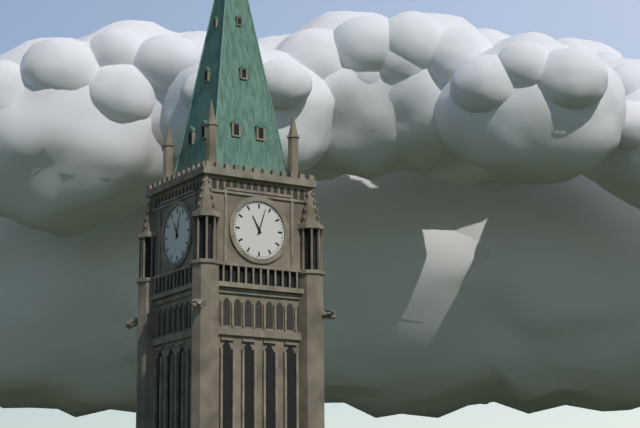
11:03
